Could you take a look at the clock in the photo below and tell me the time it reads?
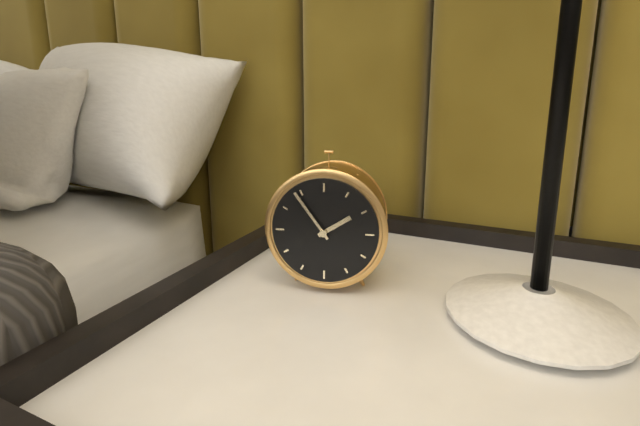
1:54
